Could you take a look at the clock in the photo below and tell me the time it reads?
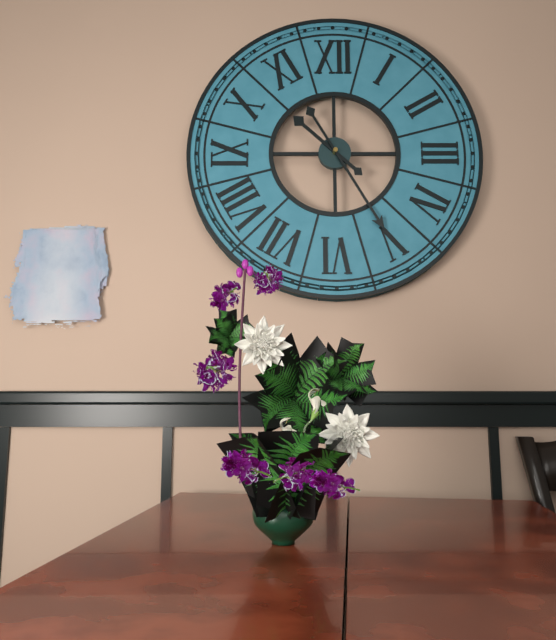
10:25
